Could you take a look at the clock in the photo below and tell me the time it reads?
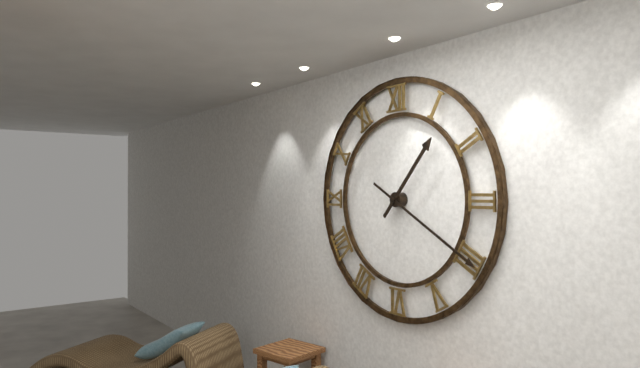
1:20
